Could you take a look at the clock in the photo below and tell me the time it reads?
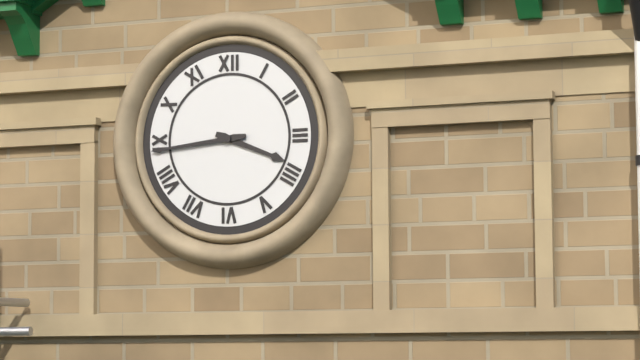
3:44
